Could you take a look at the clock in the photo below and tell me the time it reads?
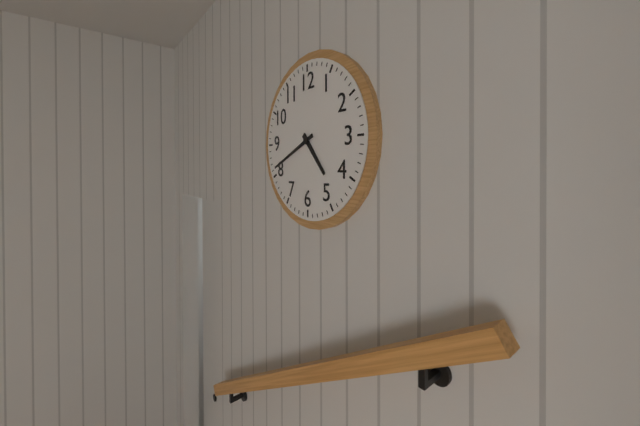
4:41
